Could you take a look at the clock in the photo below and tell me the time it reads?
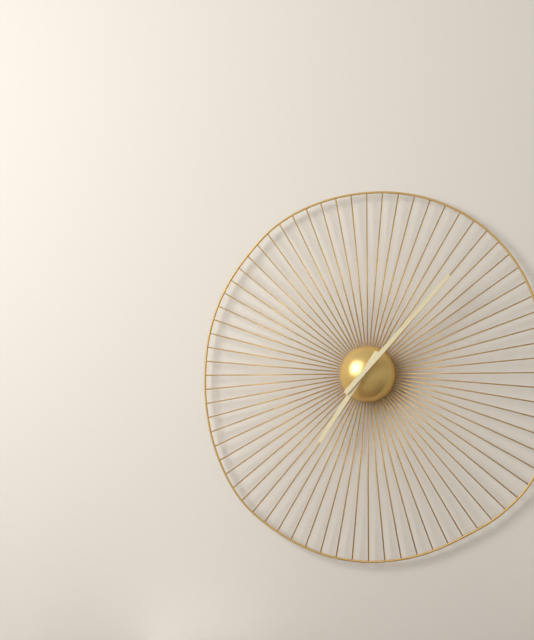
7:07
